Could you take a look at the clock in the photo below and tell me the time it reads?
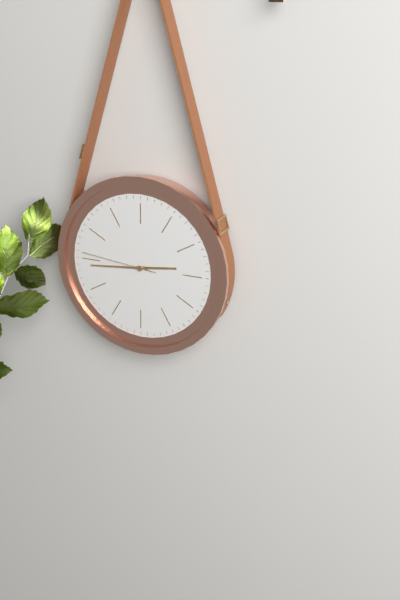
2:44:46
